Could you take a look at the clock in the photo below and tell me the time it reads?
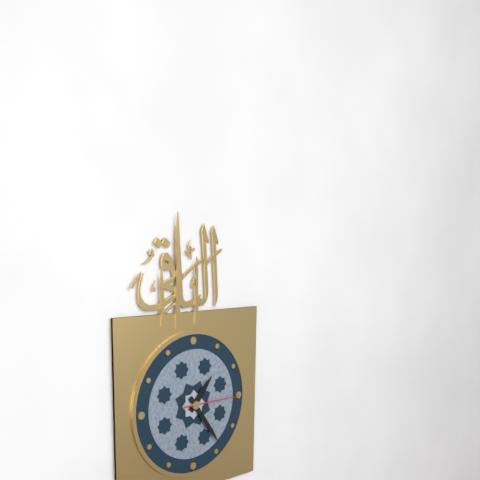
1:24:15
